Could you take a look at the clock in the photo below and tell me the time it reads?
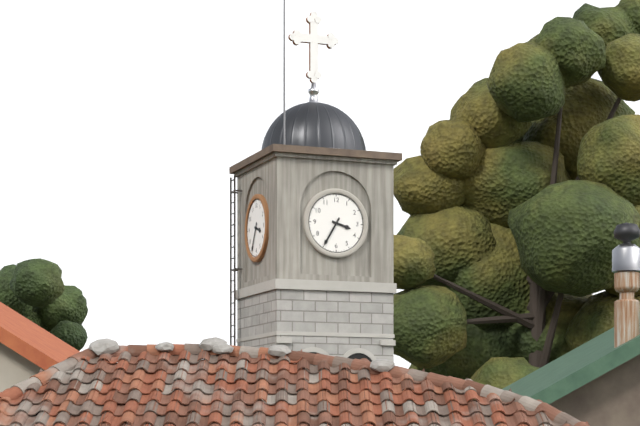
3:35
